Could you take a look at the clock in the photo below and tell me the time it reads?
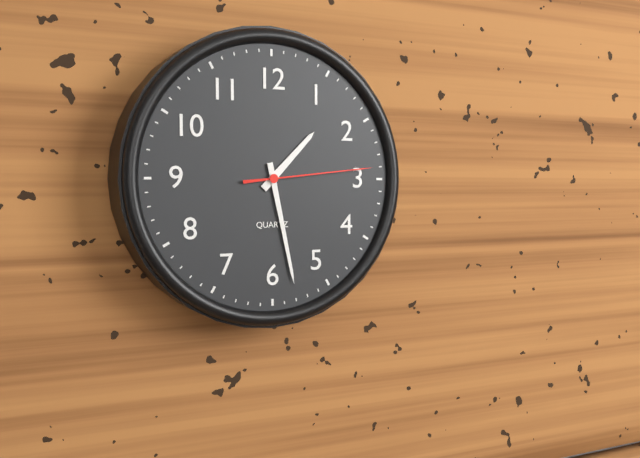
1:28:14
